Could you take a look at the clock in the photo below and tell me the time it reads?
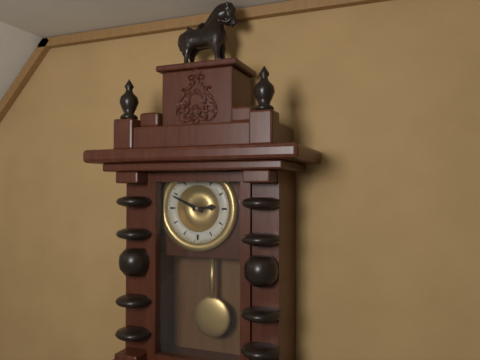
2:49
